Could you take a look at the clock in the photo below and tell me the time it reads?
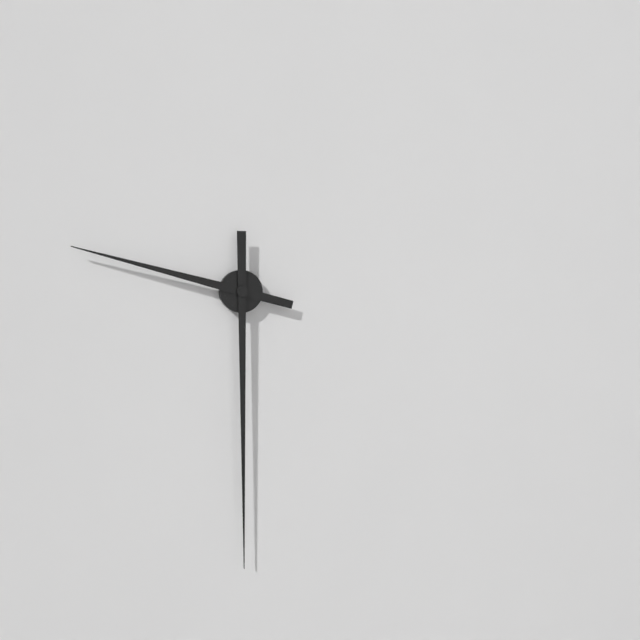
9:30
